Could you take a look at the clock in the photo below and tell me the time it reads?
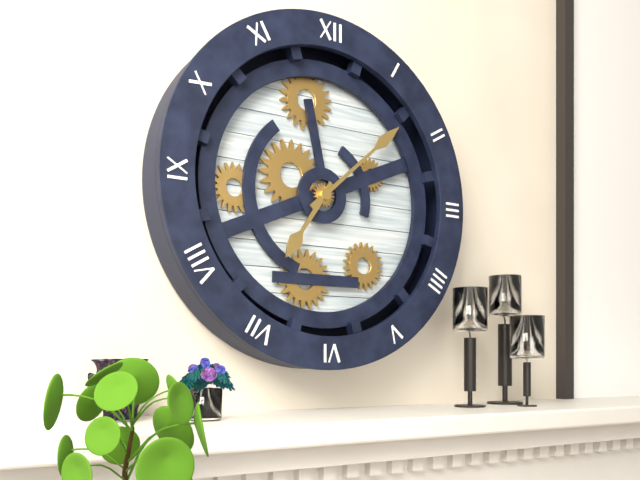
7:08
